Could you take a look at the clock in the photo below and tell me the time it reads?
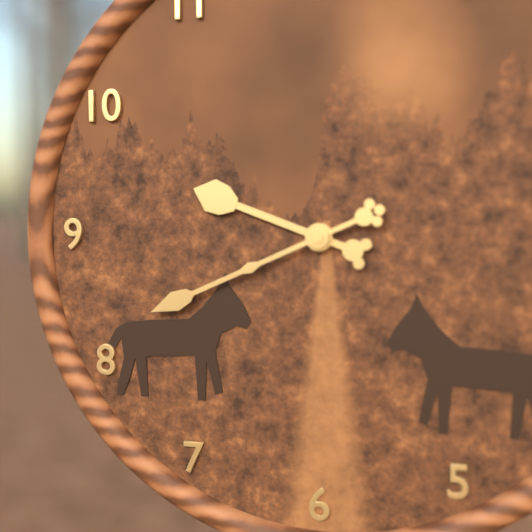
9:41
